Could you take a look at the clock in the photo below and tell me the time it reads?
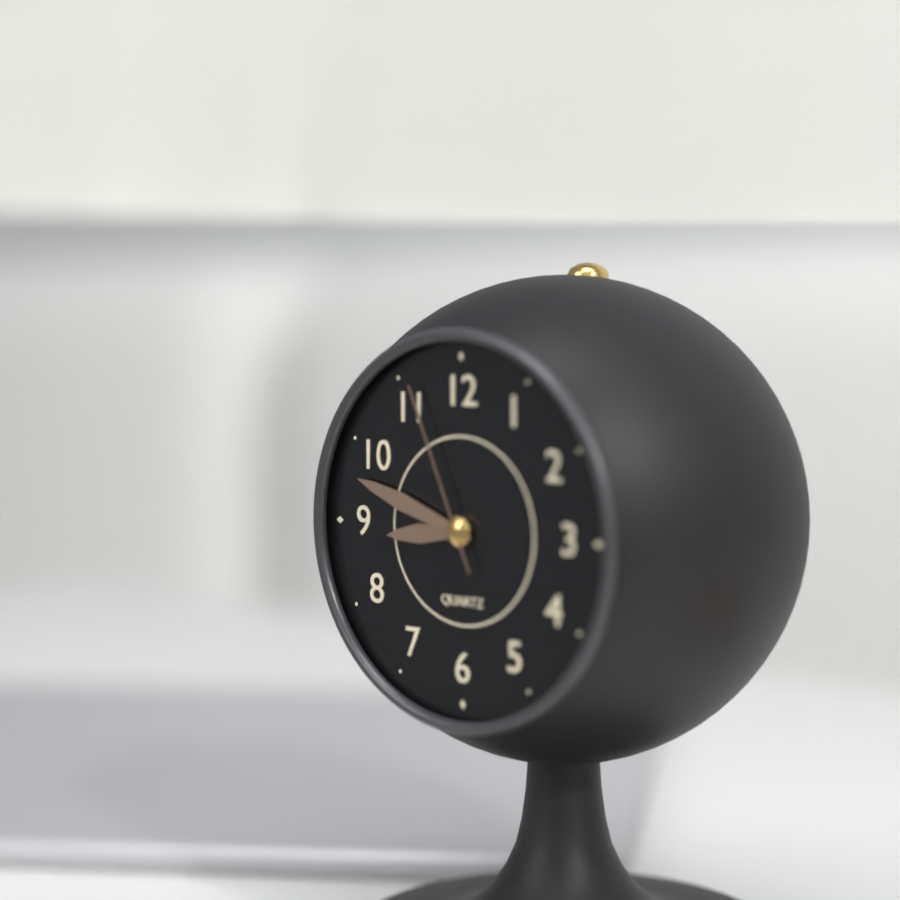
8:48:56
